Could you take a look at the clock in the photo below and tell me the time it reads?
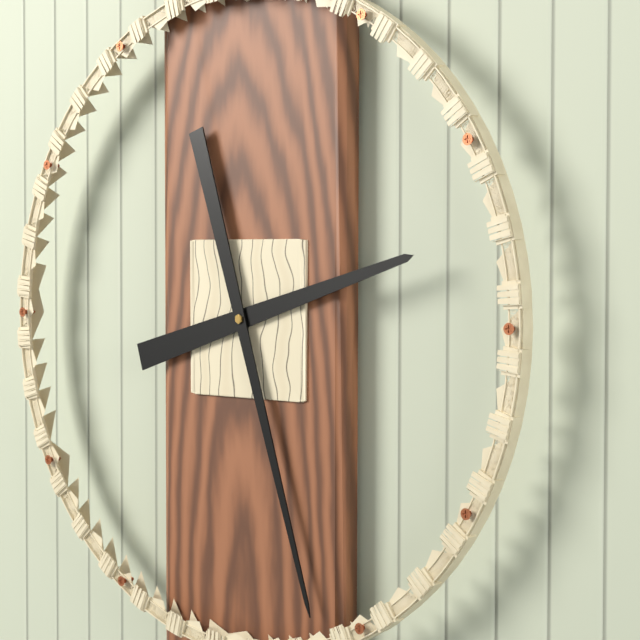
2:27
